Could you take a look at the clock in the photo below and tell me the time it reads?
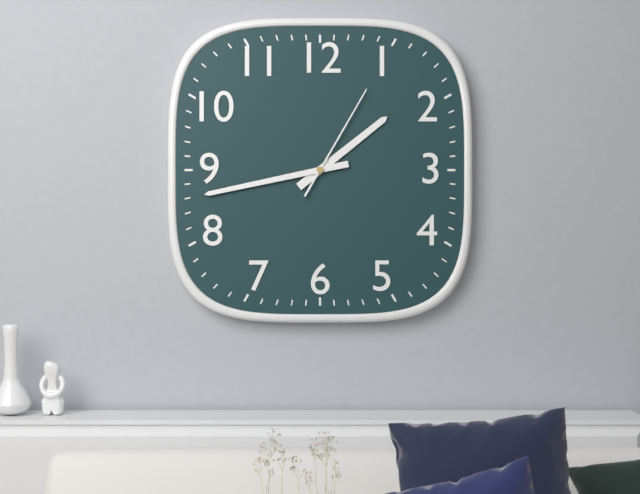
1:43:05
